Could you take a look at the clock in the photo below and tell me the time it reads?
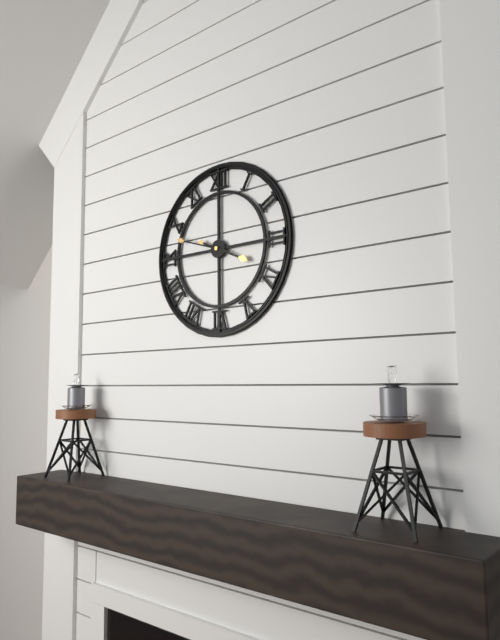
3:48
